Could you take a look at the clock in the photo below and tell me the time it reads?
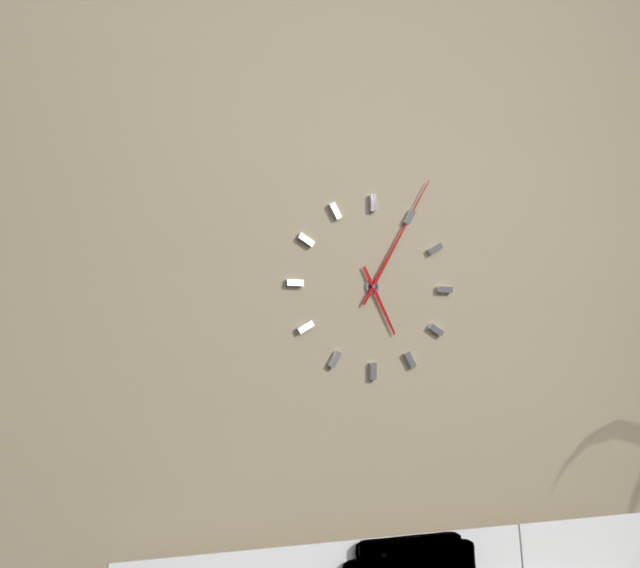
5:05
